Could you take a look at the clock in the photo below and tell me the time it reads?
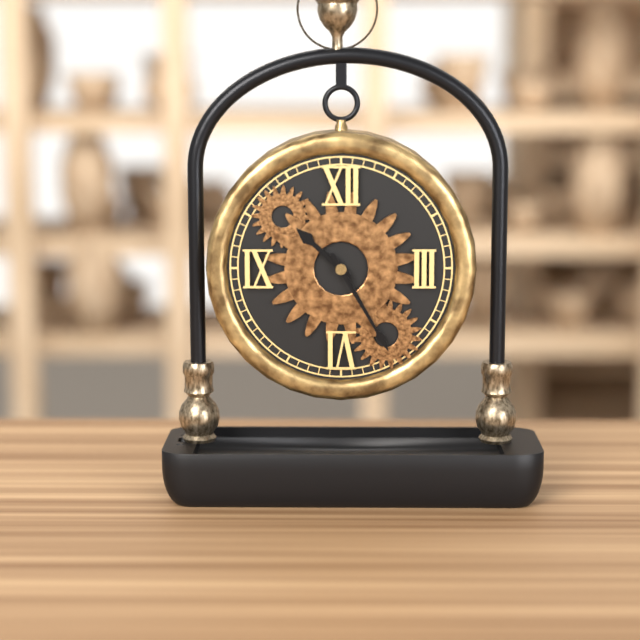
10:25
